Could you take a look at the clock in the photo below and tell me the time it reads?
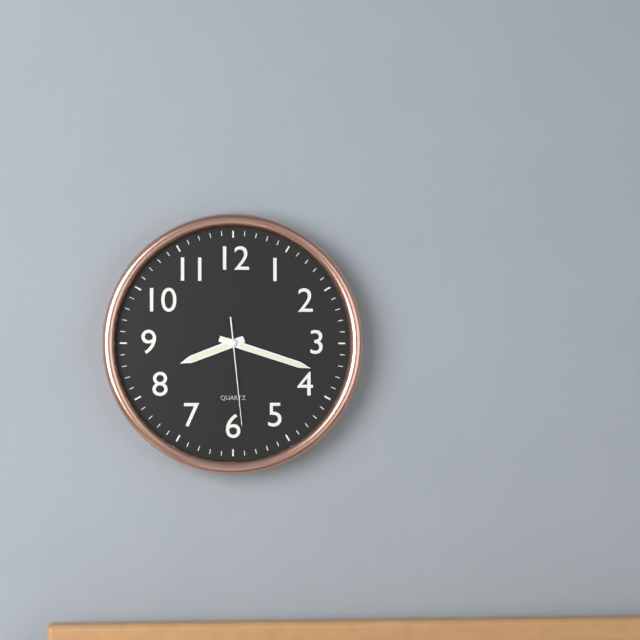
8:18:29
